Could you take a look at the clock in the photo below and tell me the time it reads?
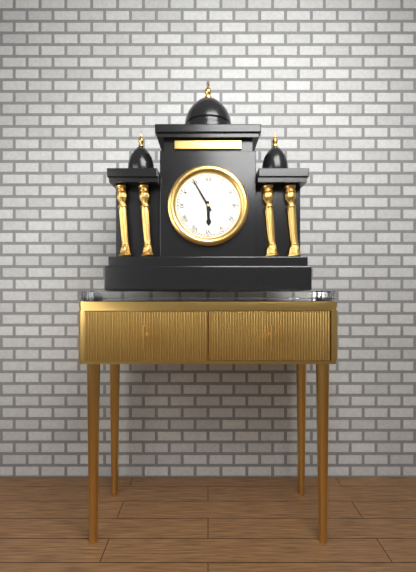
5:55
